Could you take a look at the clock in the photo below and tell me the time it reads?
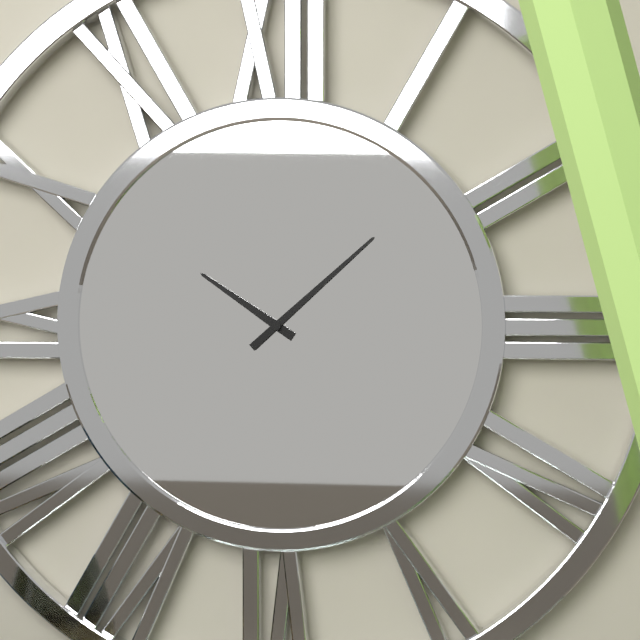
10:08
